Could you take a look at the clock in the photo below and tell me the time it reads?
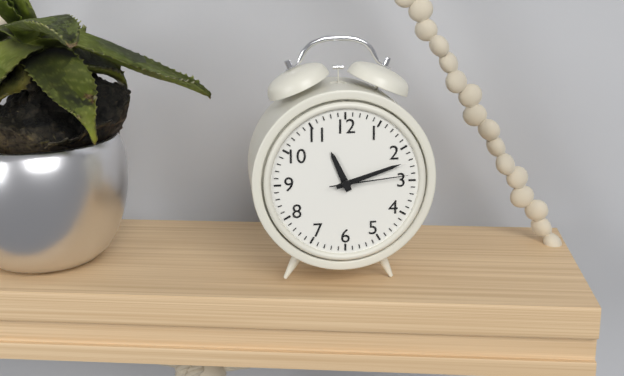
11:12:14
